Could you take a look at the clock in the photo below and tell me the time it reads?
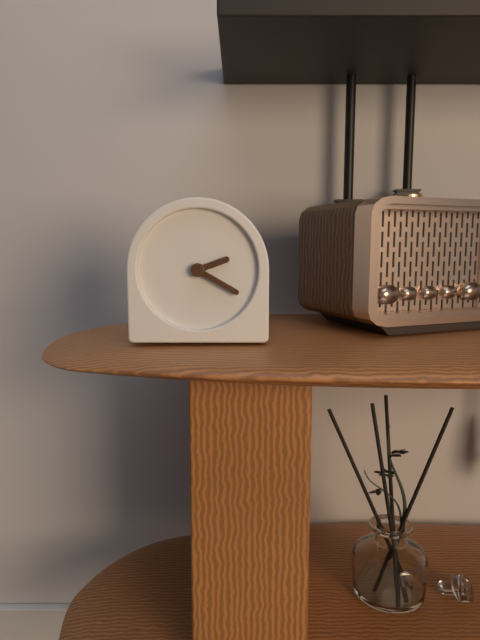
2:20
